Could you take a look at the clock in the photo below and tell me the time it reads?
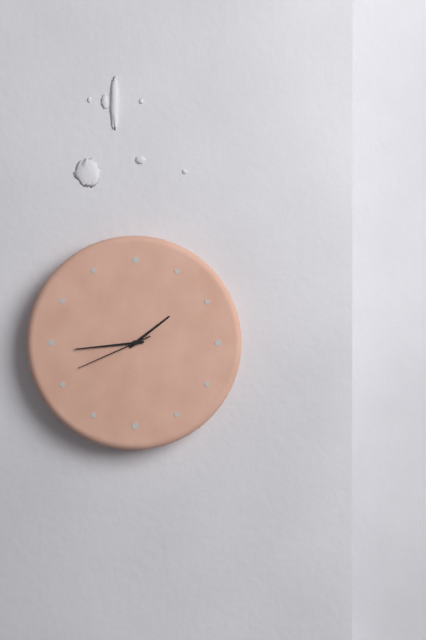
1:44:41
